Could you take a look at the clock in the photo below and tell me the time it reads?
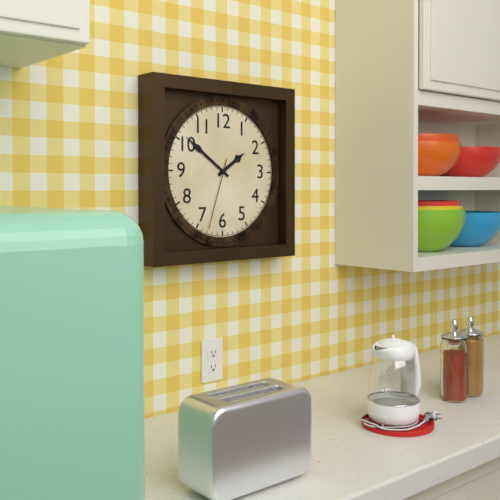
1:51:33
